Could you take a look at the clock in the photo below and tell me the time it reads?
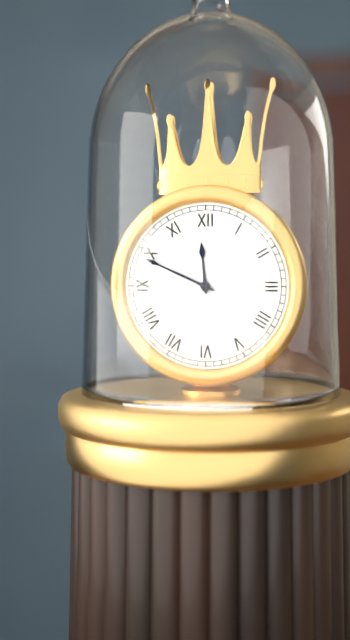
11:49
